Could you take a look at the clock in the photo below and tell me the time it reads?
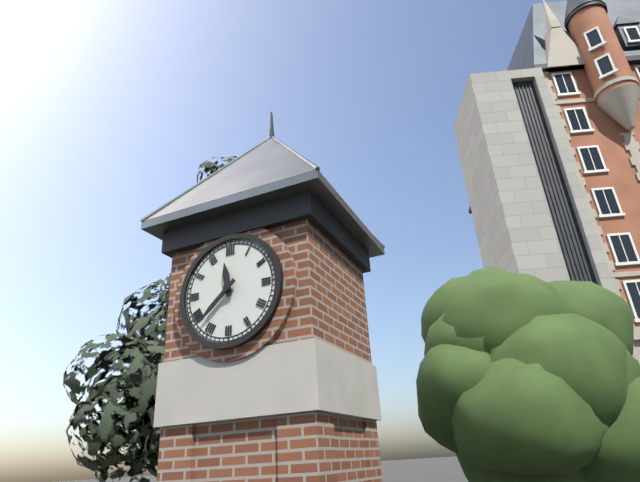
11:38
